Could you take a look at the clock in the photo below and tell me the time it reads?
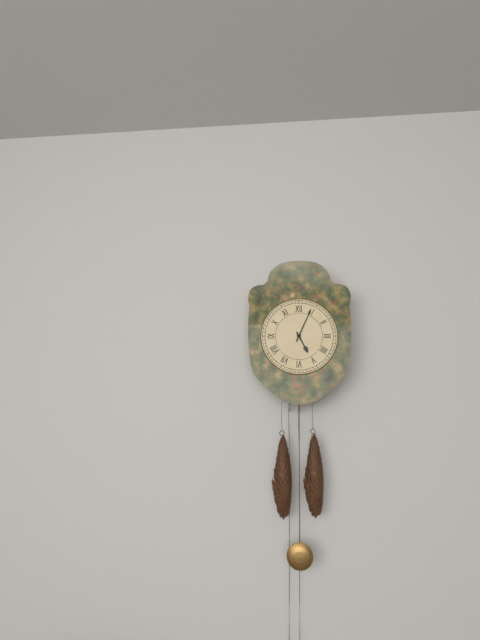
5:04
